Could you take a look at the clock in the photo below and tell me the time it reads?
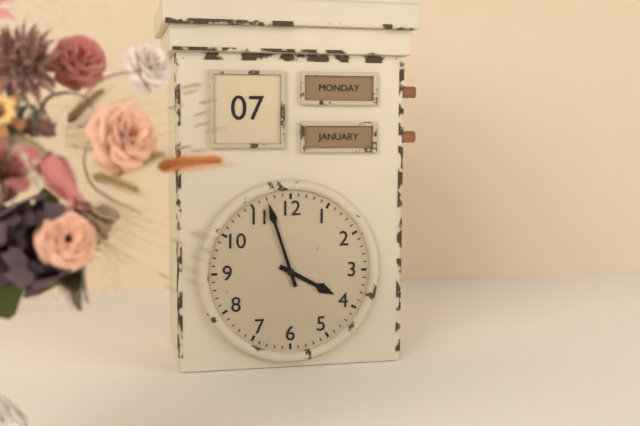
3:57
